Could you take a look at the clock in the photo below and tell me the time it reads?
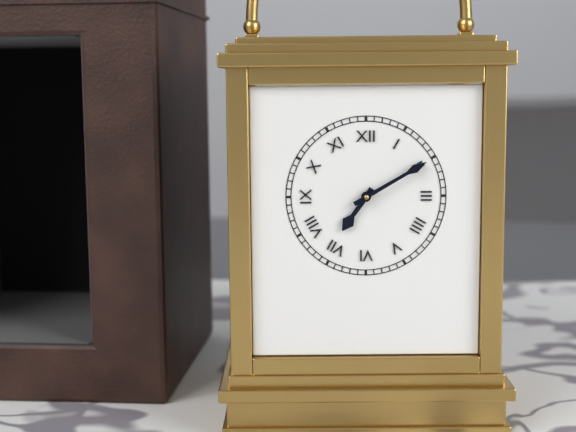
7:10
